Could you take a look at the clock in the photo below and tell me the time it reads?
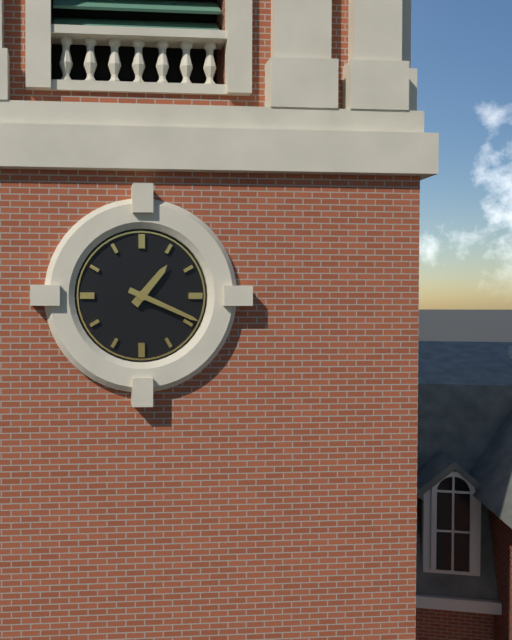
1:19
